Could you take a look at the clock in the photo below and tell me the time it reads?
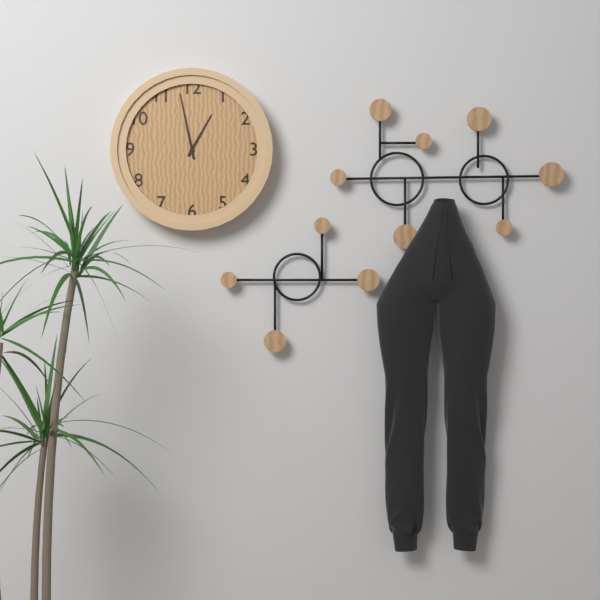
12:58
